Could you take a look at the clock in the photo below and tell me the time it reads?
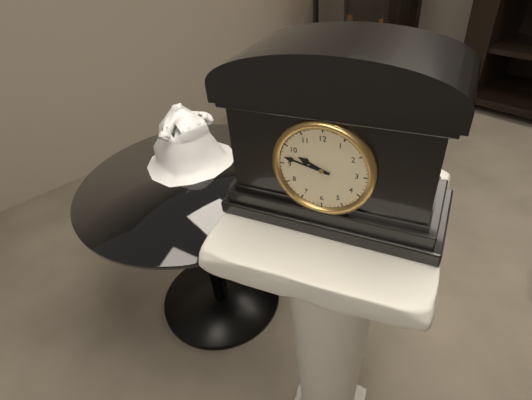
9:47
